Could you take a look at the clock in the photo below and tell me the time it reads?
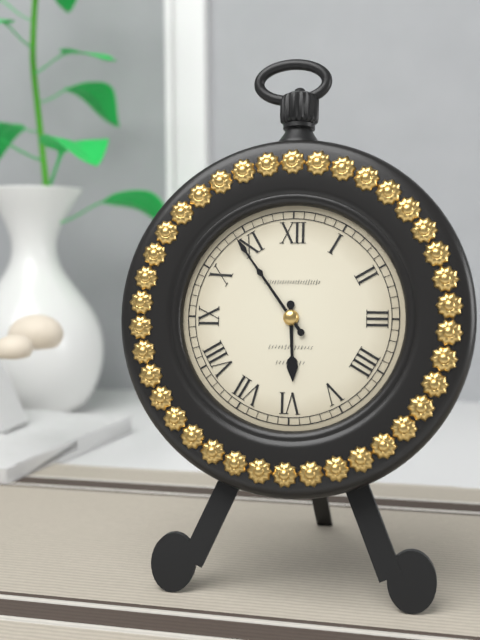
5:54
